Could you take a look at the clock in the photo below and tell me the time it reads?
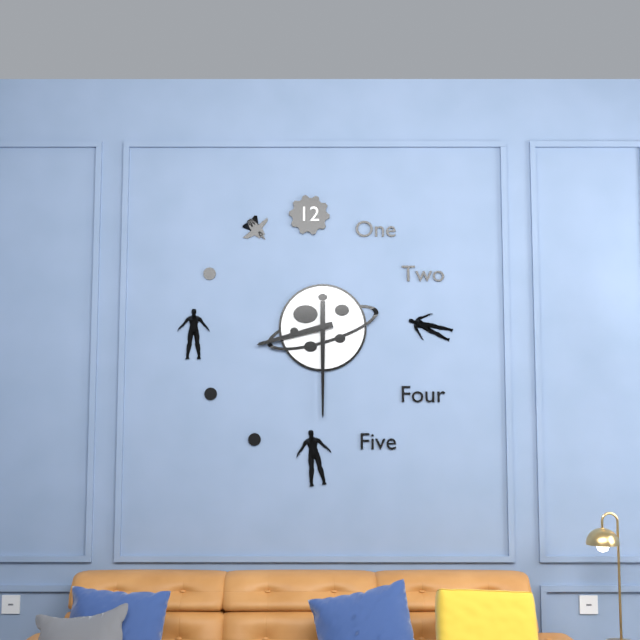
8:30
